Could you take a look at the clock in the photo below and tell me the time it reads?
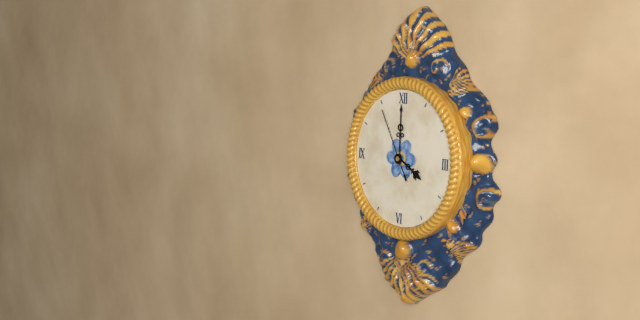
4:00:55
